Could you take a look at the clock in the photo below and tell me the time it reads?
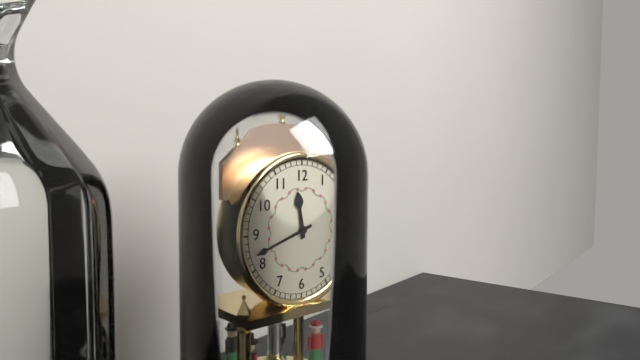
11:42
